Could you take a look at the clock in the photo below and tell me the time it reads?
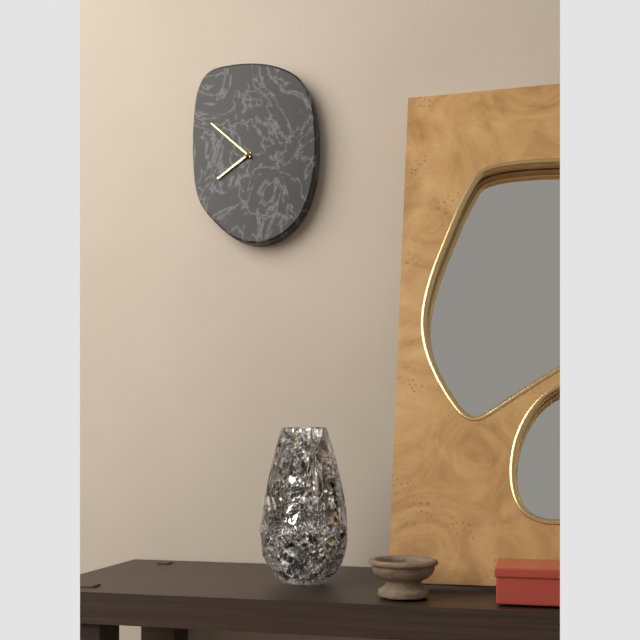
7:52
